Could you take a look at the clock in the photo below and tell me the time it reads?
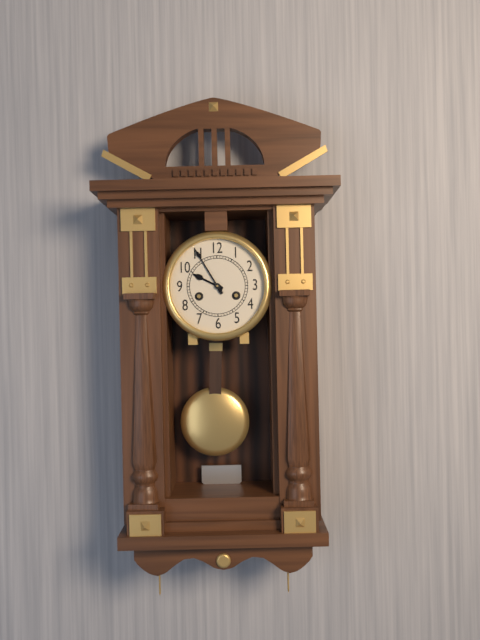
9:55
